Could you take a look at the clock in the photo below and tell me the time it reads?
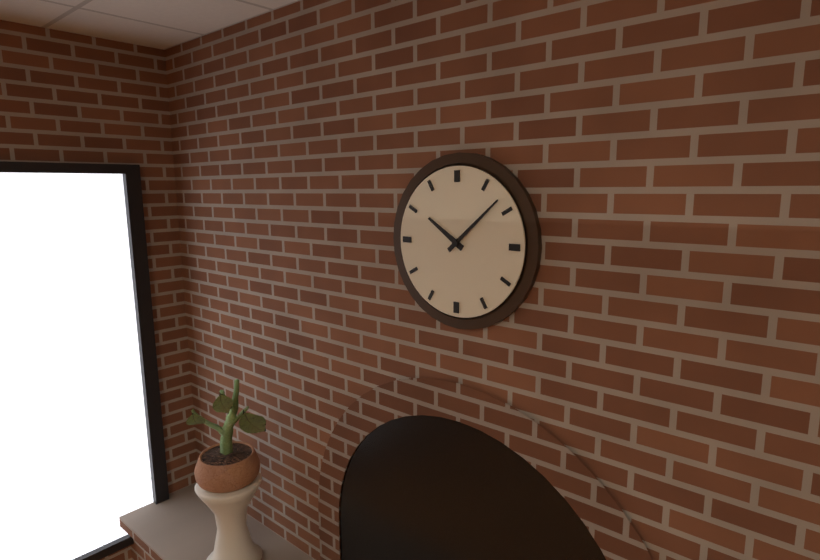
10:08
